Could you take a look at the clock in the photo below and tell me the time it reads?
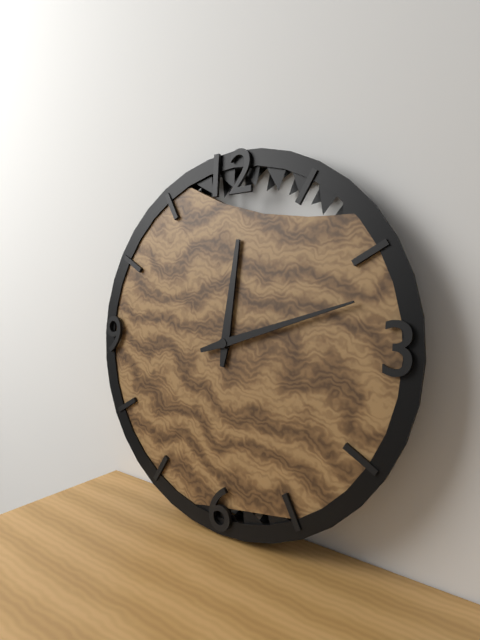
12:12
